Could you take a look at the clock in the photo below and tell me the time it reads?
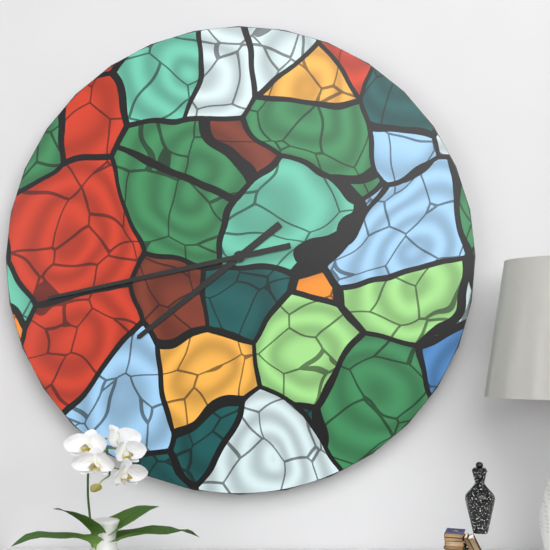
7:43
